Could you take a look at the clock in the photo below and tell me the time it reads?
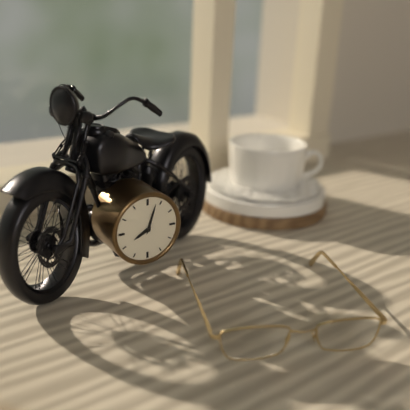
8:03
